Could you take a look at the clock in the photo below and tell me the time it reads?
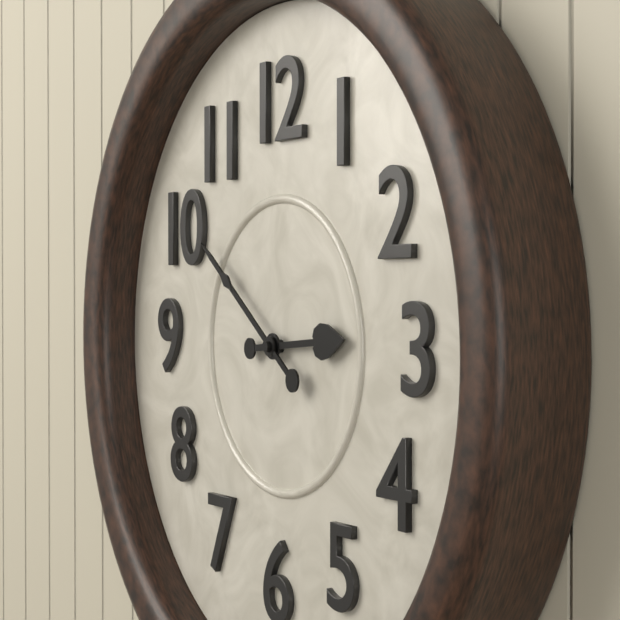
2:51
